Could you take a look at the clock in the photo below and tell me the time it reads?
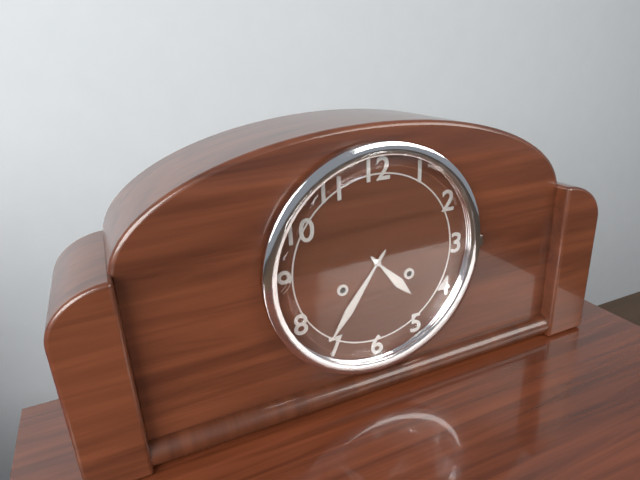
4:36
